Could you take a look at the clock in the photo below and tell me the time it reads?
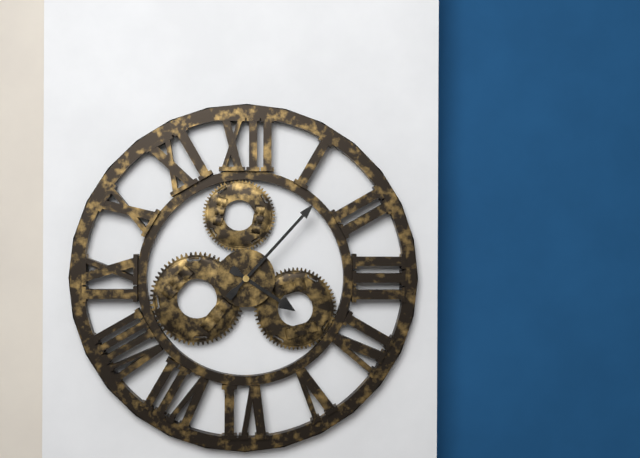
4:07
